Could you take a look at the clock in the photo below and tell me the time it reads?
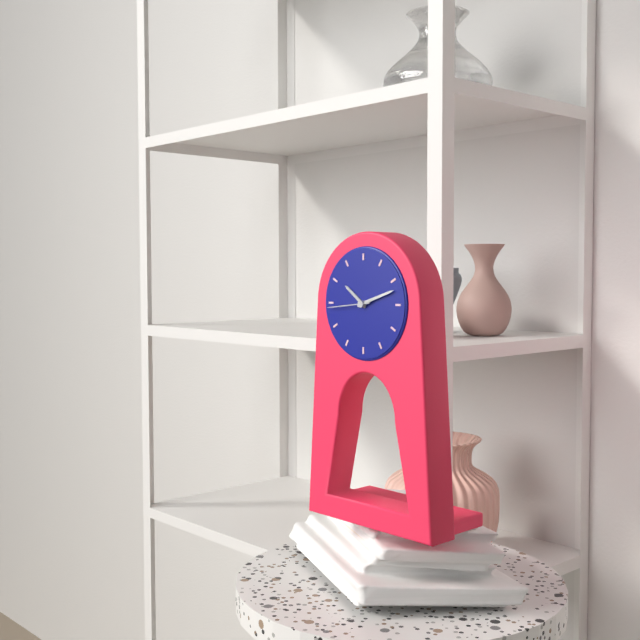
10:12:44
